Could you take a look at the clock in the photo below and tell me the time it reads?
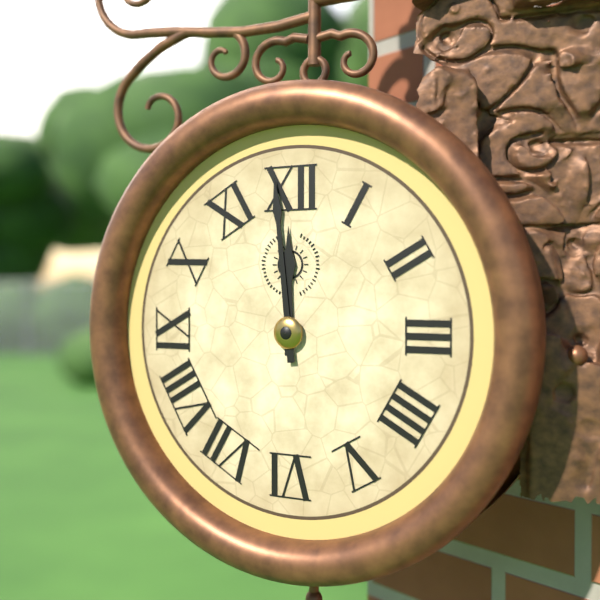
11:59
